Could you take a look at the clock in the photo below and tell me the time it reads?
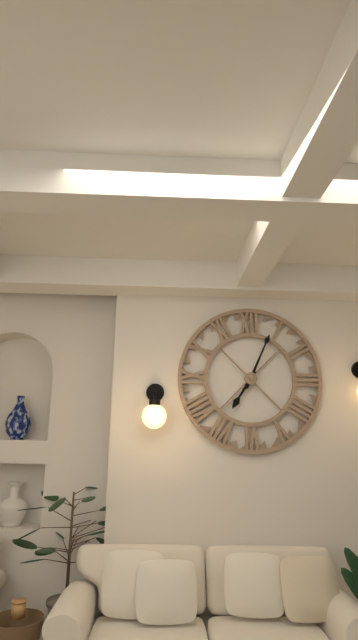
7:04
